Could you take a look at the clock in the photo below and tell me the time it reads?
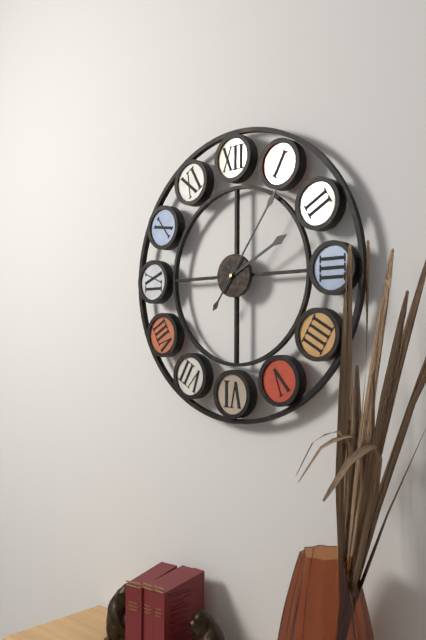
2:06
